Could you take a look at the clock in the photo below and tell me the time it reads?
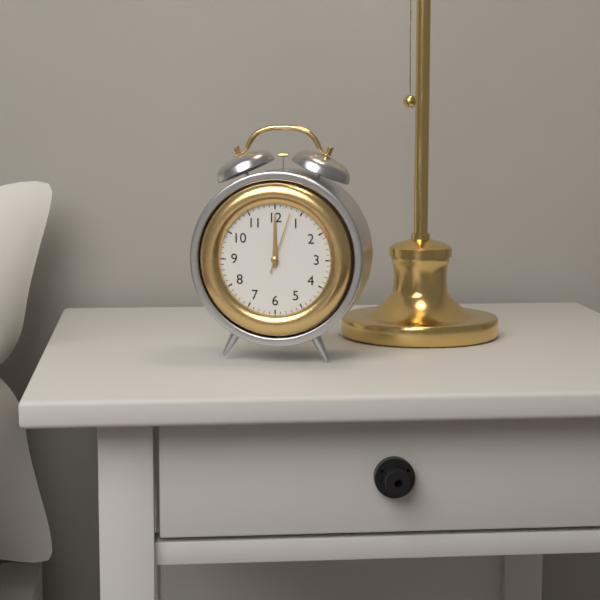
12:00:03
